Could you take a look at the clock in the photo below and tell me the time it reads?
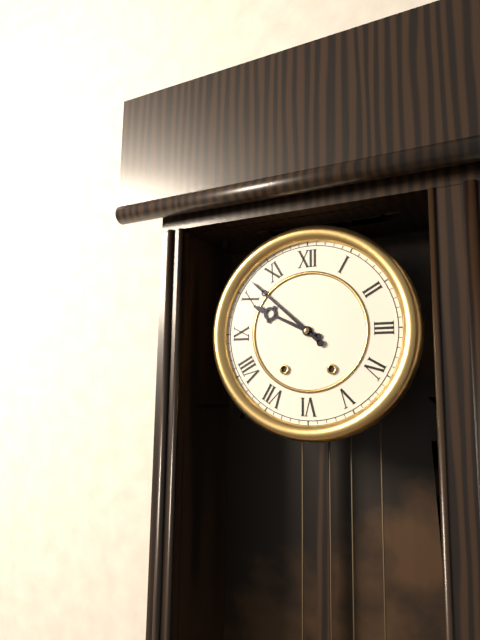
9:52
